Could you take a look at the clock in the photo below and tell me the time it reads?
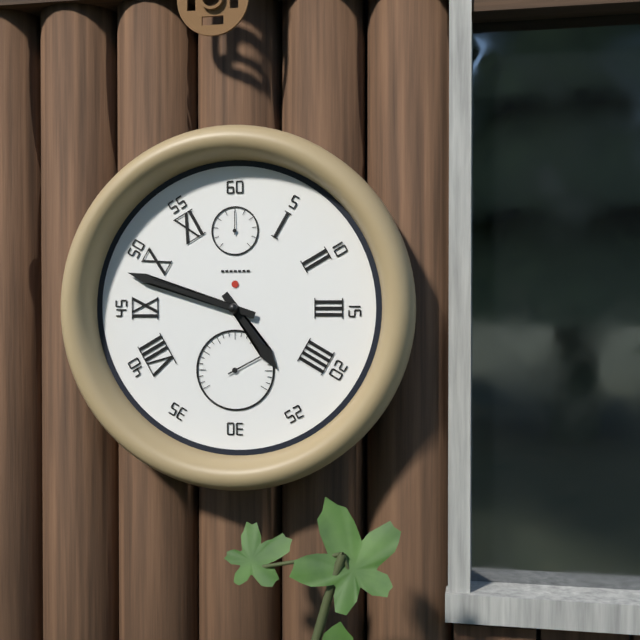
4:48
